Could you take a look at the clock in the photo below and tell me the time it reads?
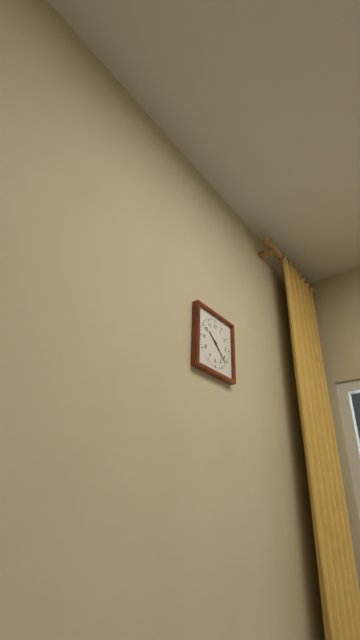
10:22
